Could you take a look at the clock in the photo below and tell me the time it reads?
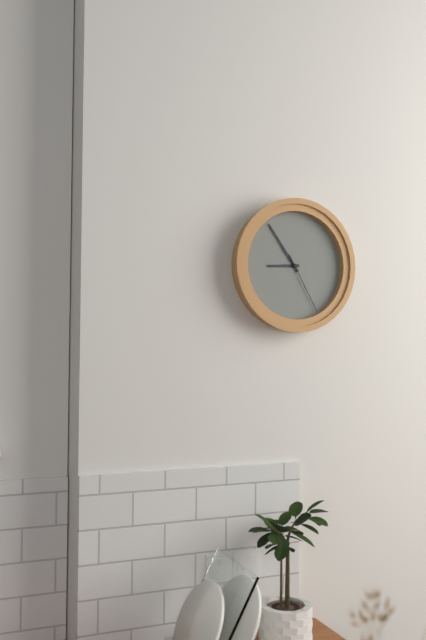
8:54:25
